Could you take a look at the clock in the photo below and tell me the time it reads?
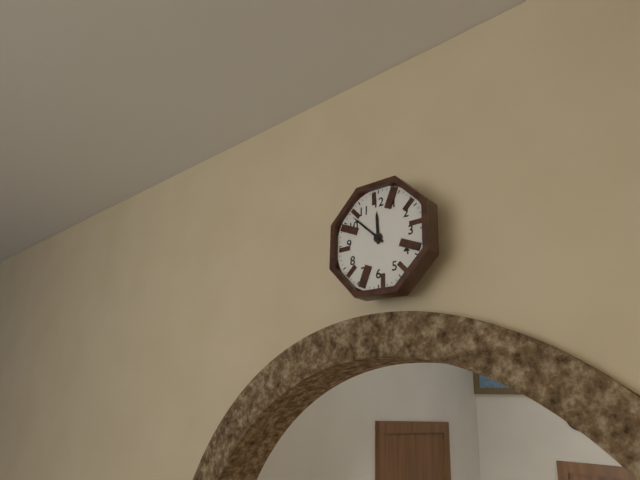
11:52
